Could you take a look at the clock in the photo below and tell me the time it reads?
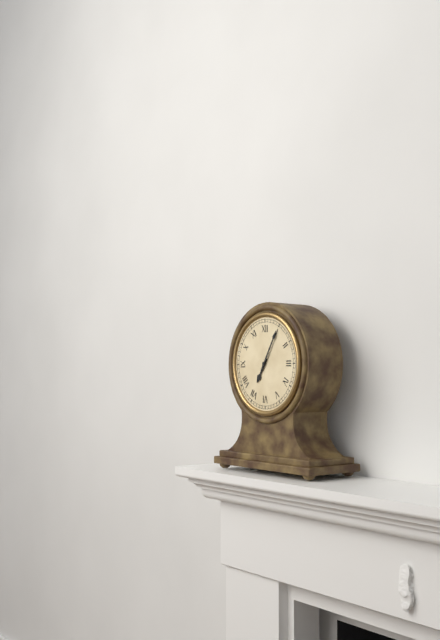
7:05
